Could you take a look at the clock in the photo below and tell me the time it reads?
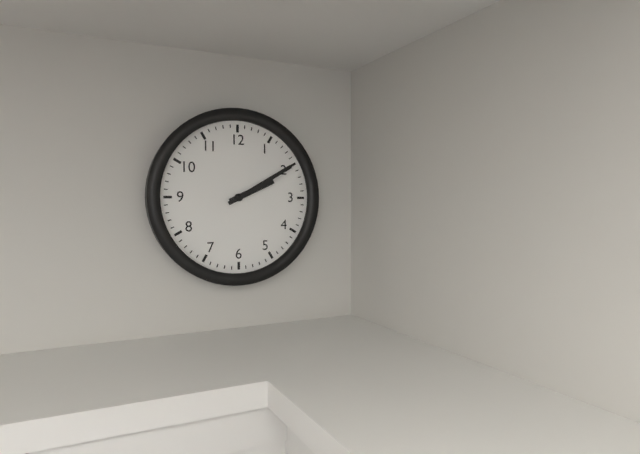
2:10
